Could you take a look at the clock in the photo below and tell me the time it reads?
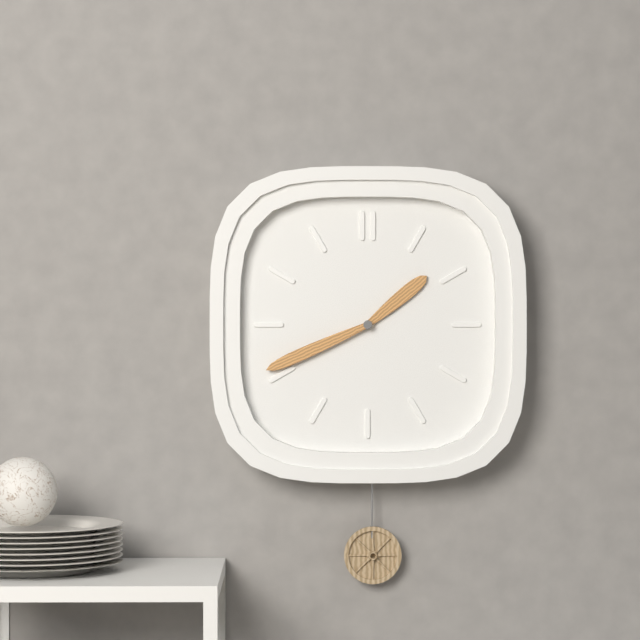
1:41
